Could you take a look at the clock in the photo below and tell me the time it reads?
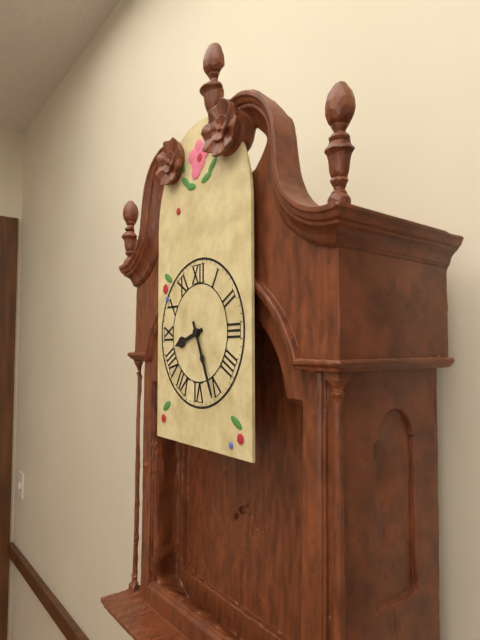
8:26
